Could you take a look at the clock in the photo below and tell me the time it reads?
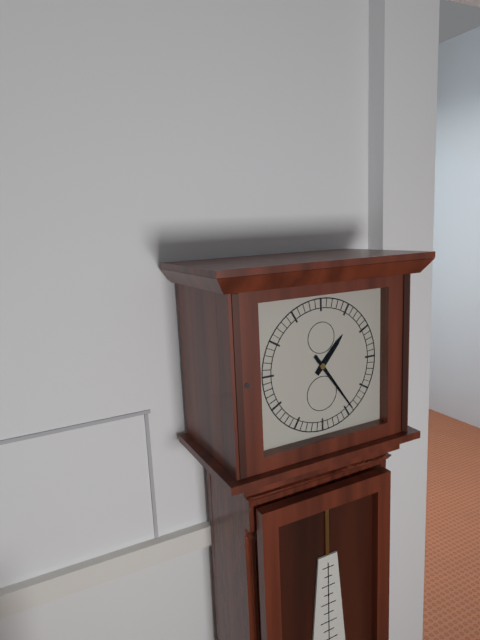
1:24
